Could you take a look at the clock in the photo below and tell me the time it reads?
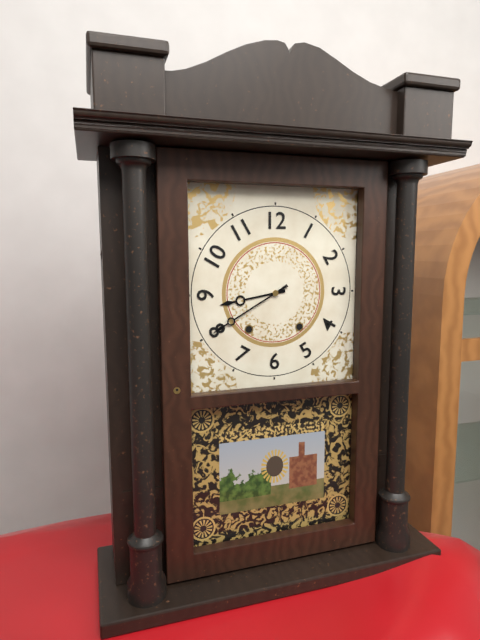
8:40
